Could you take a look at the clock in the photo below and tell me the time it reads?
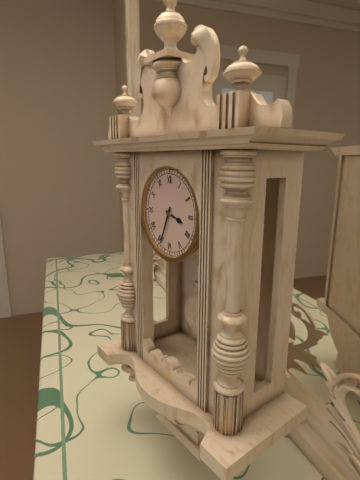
3:34
